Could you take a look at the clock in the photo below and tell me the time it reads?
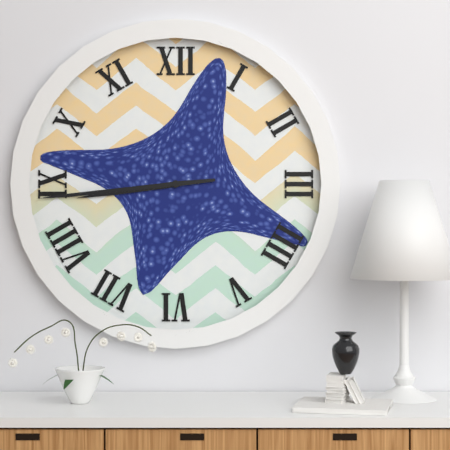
8:44
